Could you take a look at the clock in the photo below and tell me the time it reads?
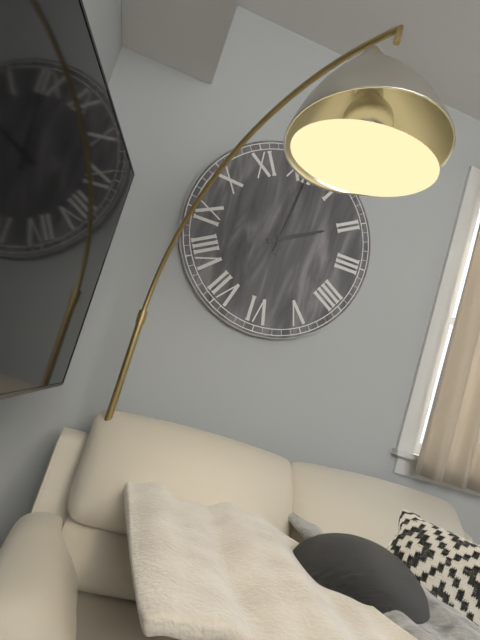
2:01
